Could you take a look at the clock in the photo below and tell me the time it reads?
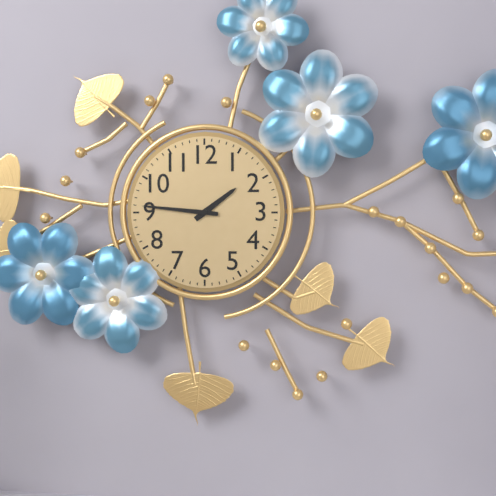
1:46
